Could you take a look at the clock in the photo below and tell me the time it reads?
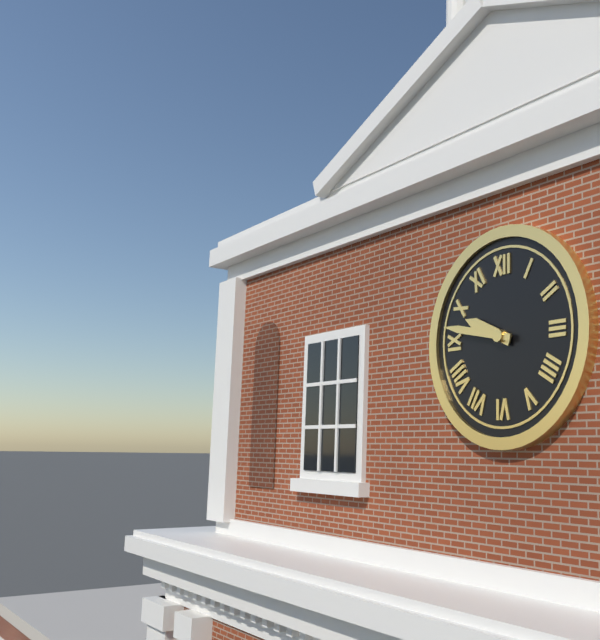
9:47
